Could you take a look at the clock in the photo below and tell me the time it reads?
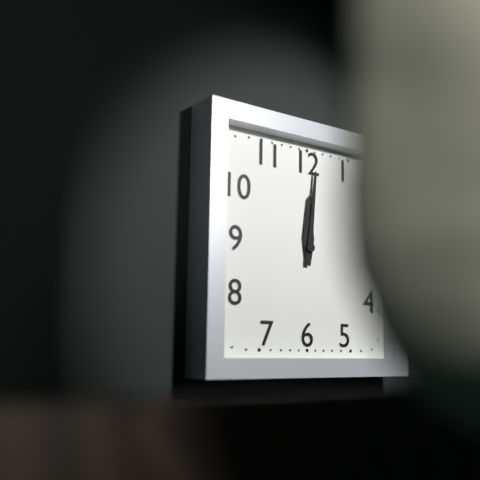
12:01
